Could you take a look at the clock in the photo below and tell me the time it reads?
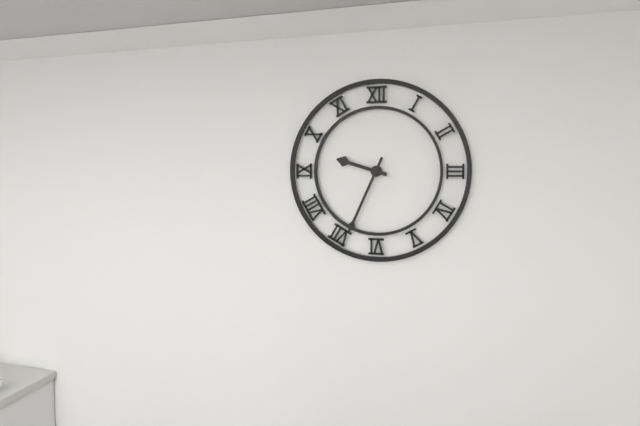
9:34
